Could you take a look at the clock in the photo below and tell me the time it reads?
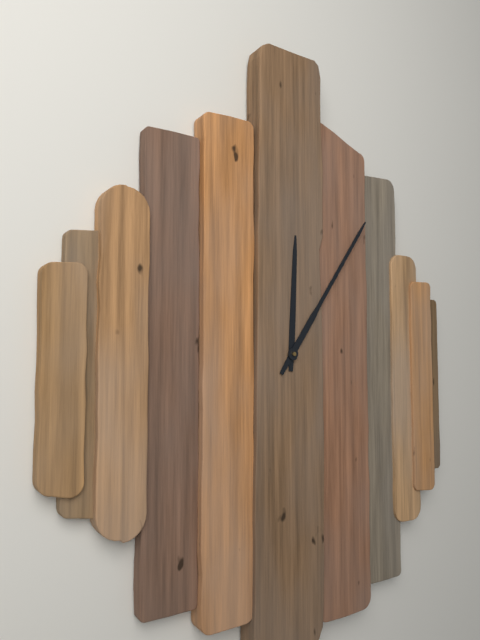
12:06
